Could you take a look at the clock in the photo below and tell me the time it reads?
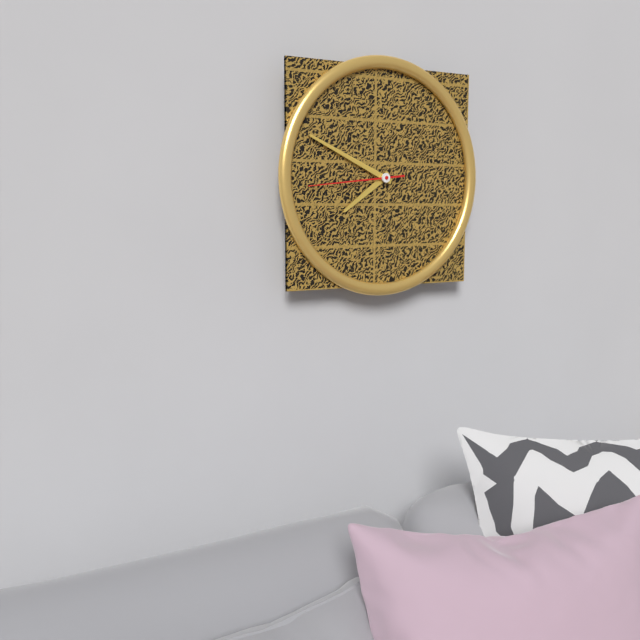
7:49:44
